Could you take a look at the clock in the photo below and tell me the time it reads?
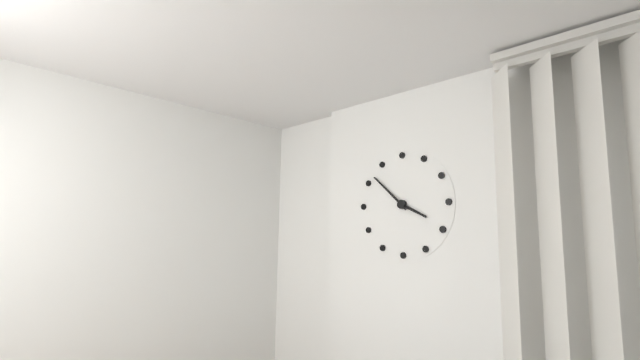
3:52
